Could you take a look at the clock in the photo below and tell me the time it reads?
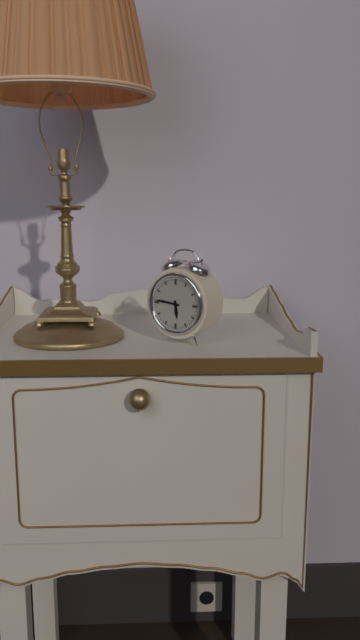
5:46
